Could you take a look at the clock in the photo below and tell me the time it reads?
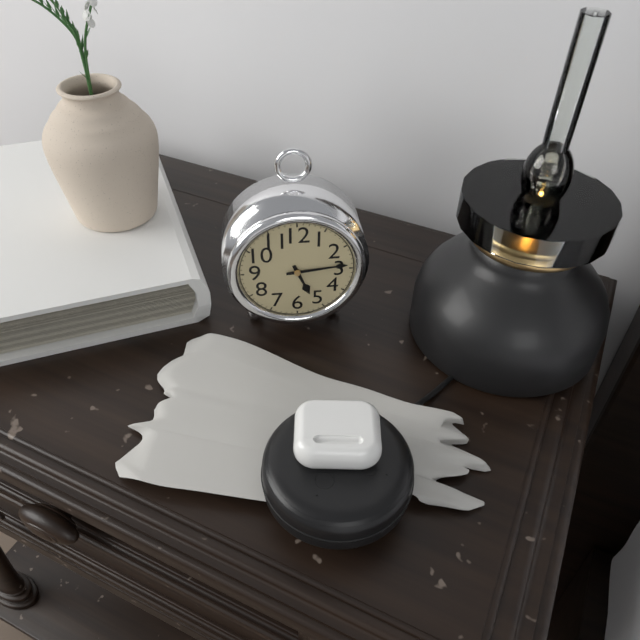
5:14
